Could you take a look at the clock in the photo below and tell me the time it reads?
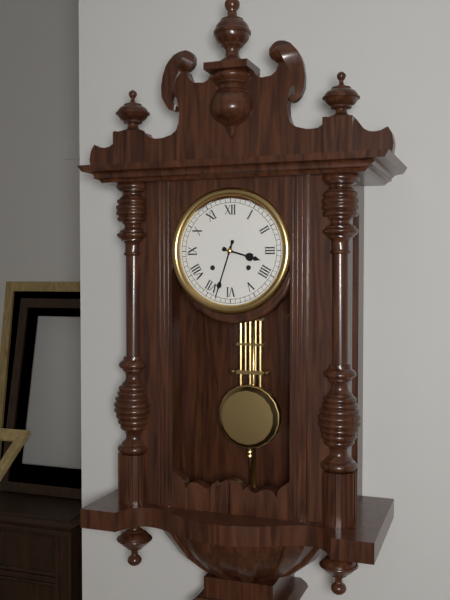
3:33
